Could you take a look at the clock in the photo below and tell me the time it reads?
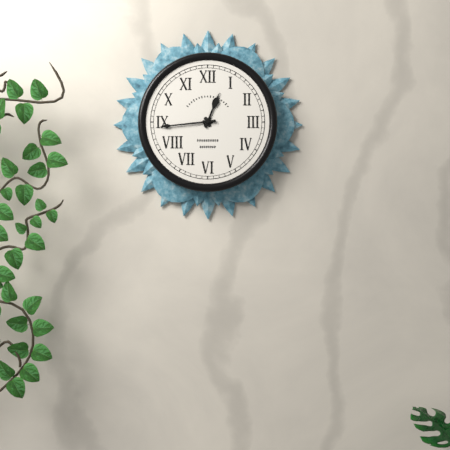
12:44
